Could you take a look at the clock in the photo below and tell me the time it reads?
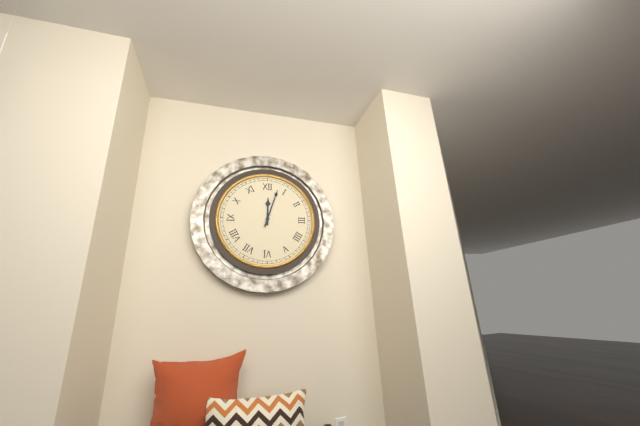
12:03
